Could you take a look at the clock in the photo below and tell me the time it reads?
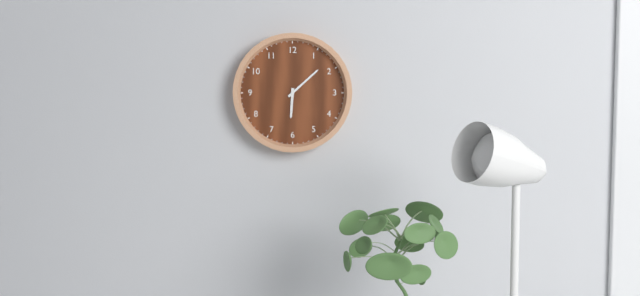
6:08
